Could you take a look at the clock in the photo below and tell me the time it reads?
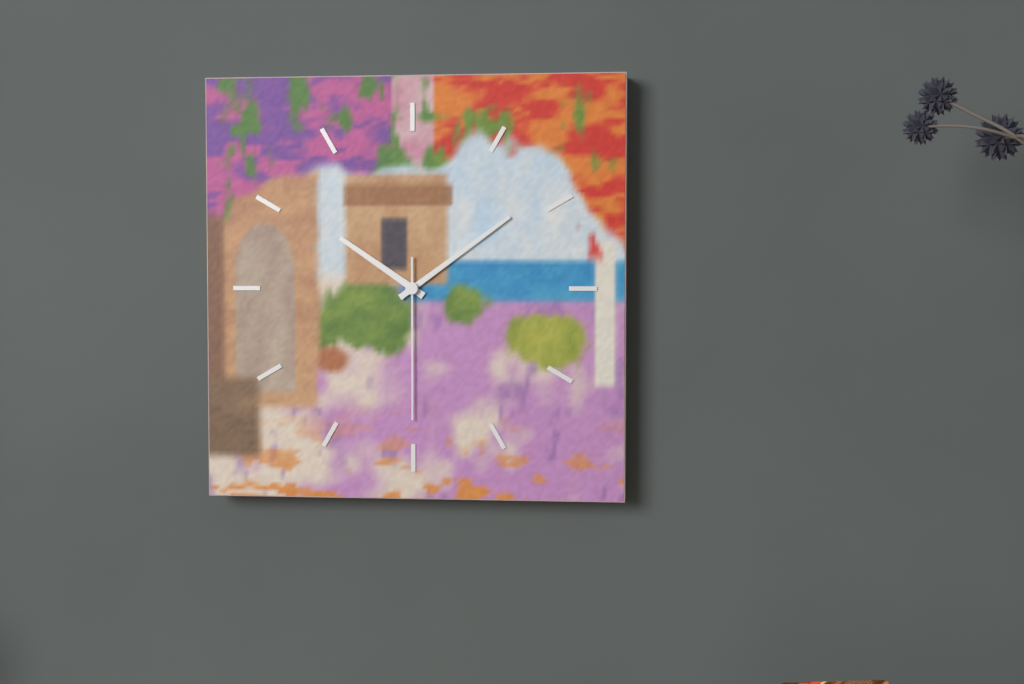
10:09:30
